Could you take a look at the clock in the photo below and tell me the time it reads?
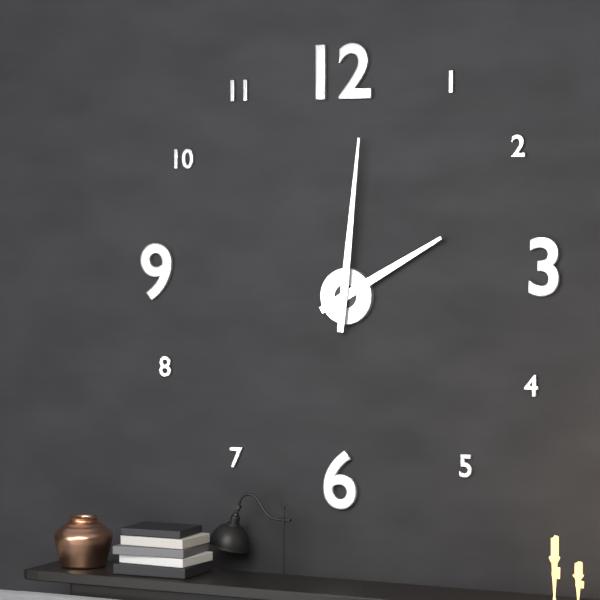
2:01
